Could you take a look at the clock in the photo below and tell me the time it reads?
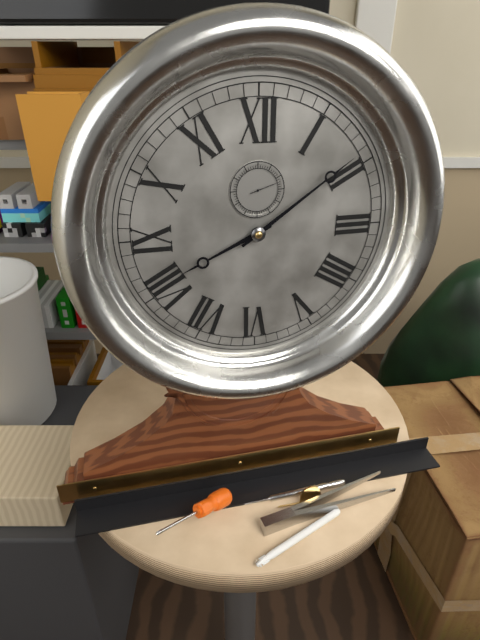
8:09
